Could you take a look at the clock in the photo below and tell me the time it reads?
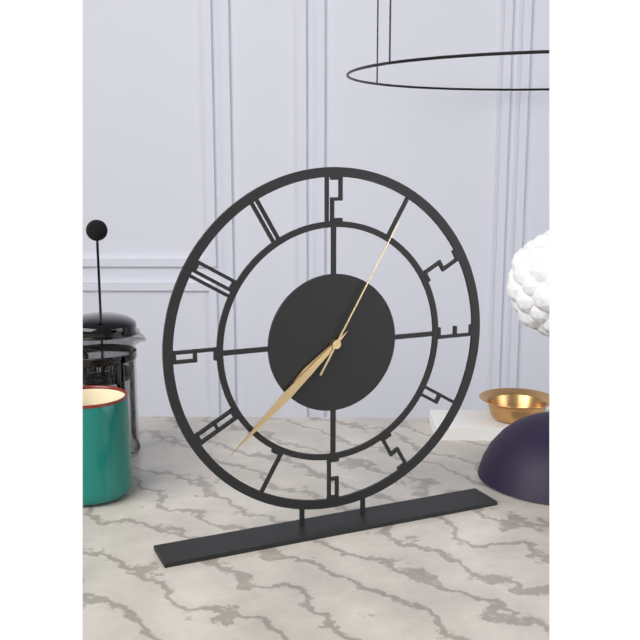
7:38:05
